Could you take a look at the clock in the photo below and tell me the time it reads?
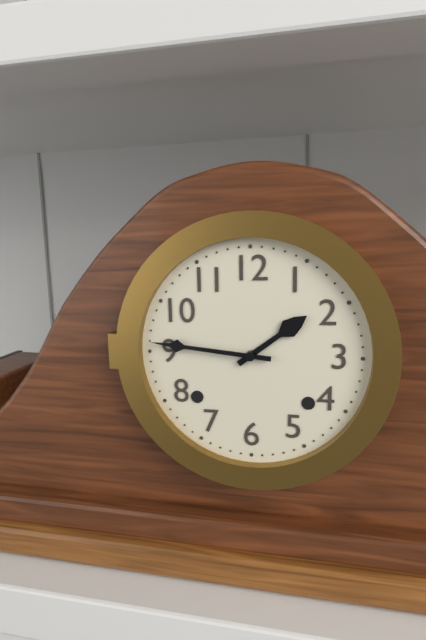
1:46
